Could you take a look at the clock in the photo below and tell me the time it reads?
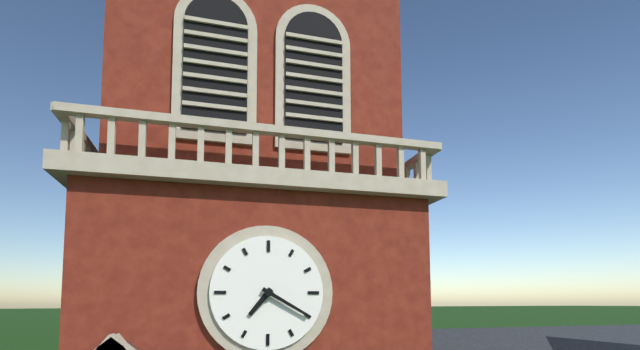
7:20
